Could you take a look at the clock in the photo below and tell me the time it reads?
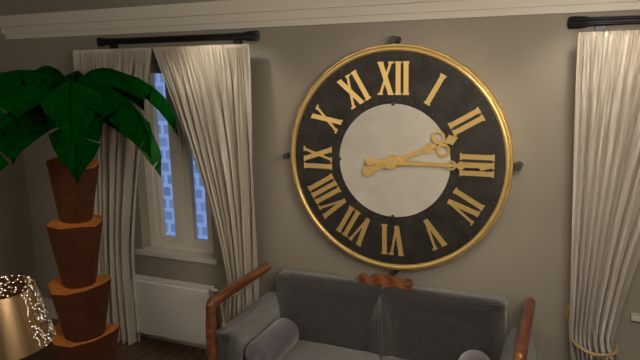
2:15
